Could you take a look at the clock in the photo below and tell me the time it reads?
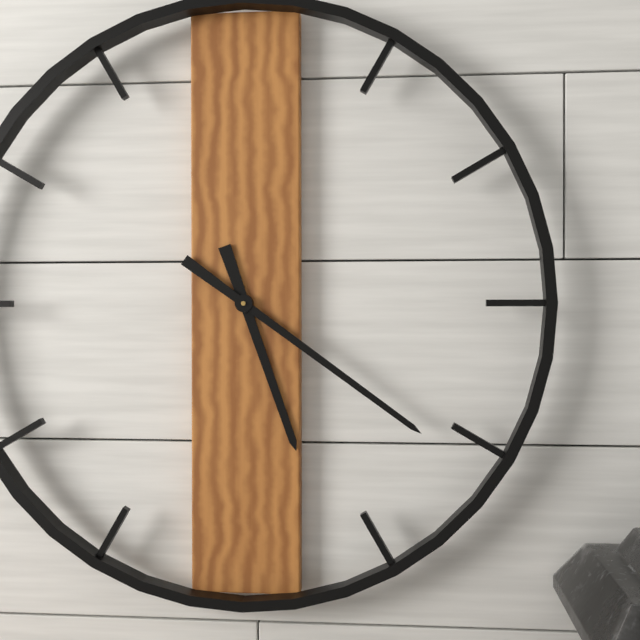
5:21
